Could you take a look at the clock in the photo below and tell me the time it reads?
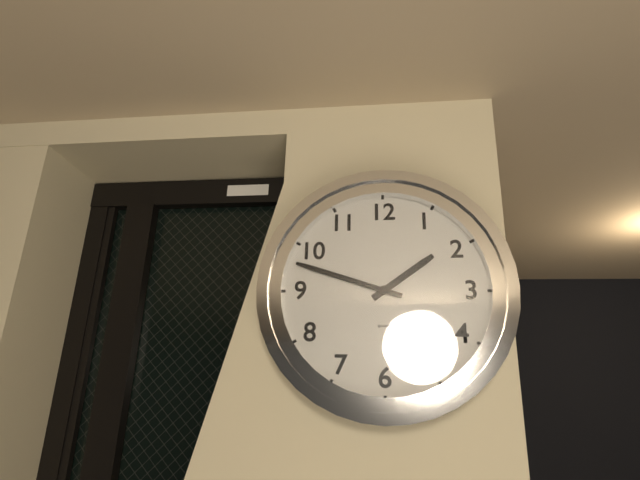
1:48
